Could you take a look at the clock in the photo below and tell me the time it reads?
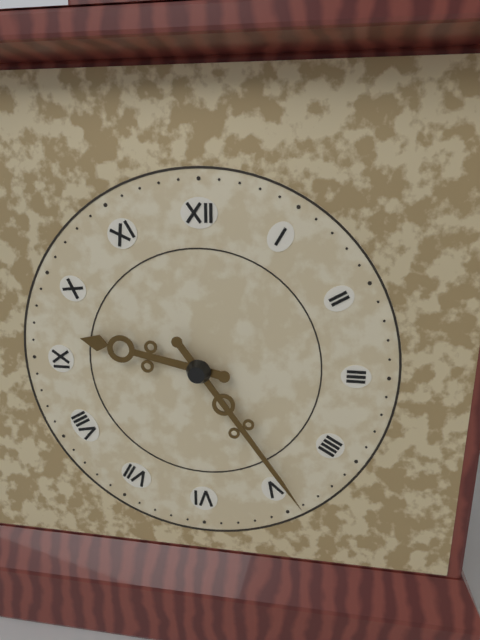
9:24
